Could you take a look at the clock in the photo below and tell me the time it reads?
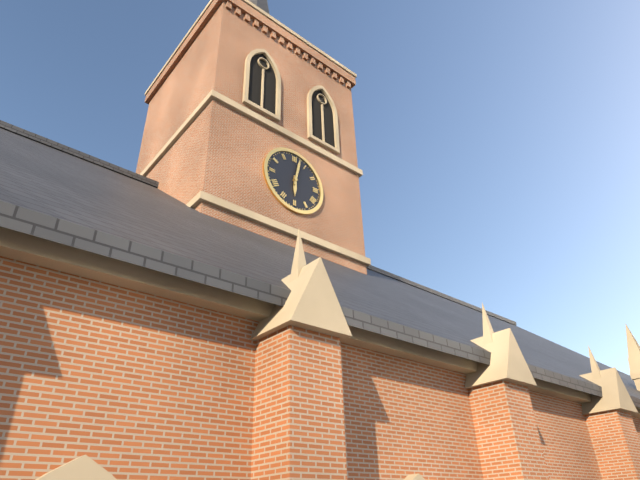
6:02
